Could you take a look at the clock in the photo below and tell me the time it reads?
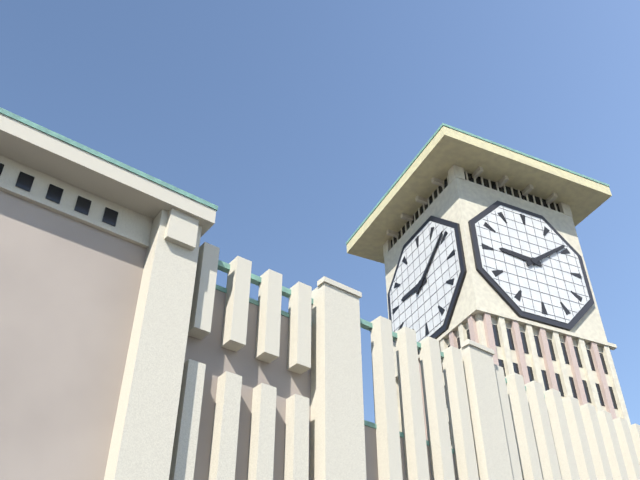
9:09
